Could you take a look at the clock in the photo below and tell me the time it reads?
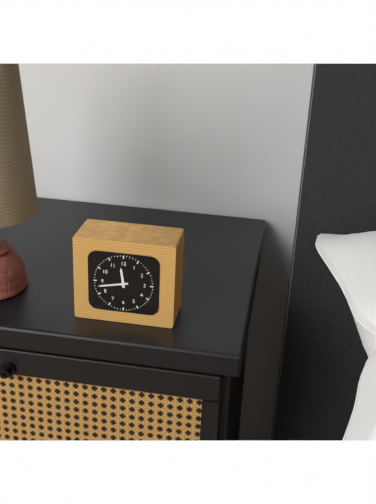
11:43
